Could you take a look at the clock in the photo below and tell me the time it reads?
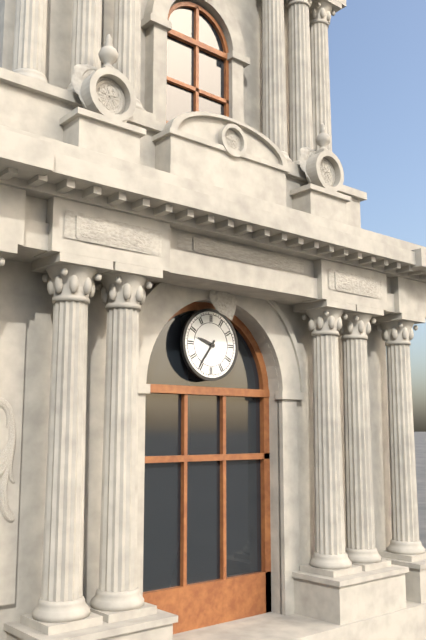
9:36
